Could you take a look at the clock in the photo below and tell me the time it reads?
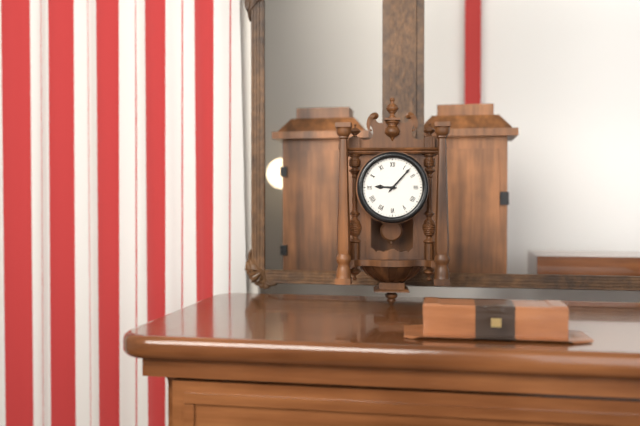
9:07
